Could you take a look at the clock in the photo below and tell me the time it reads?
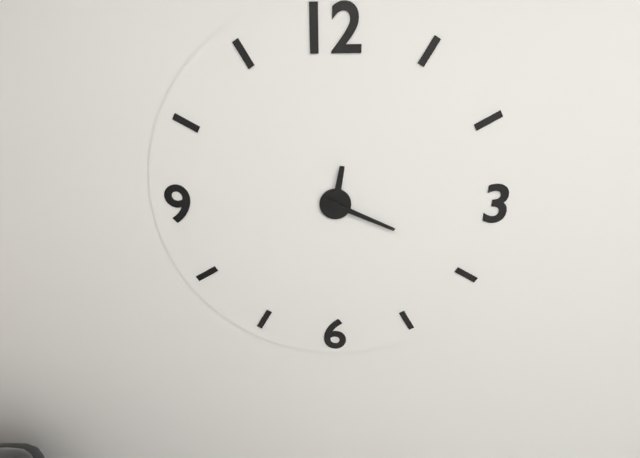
12:19
